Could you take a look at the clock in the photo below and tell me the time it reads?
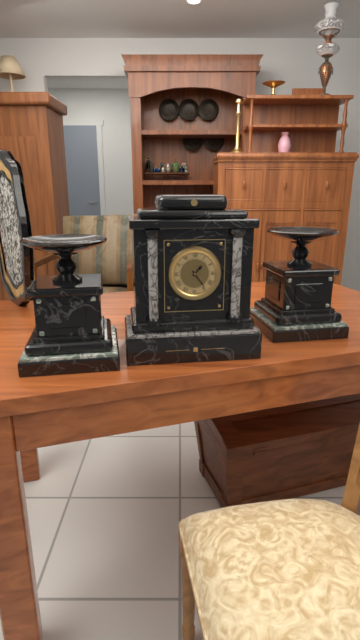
1:24
